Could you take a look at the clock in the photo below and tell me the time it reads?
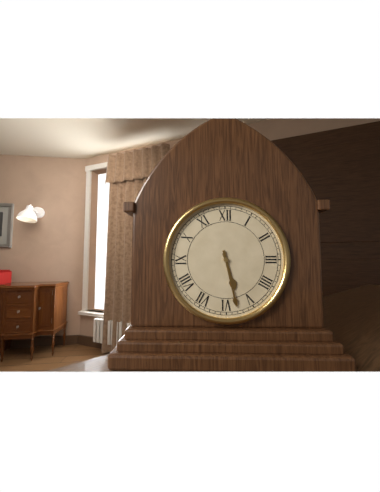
5:28
